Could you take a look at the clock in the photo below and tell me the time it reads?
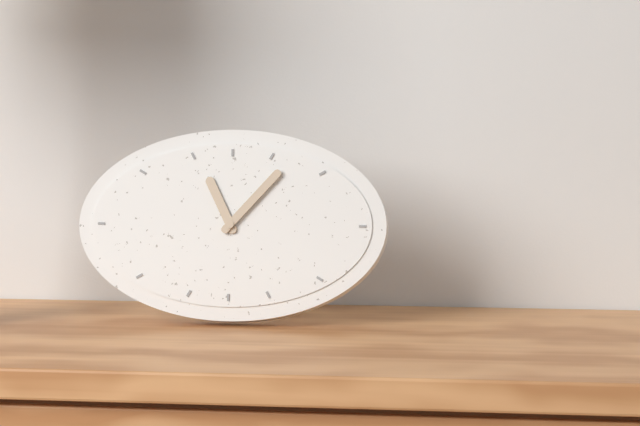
11:07
